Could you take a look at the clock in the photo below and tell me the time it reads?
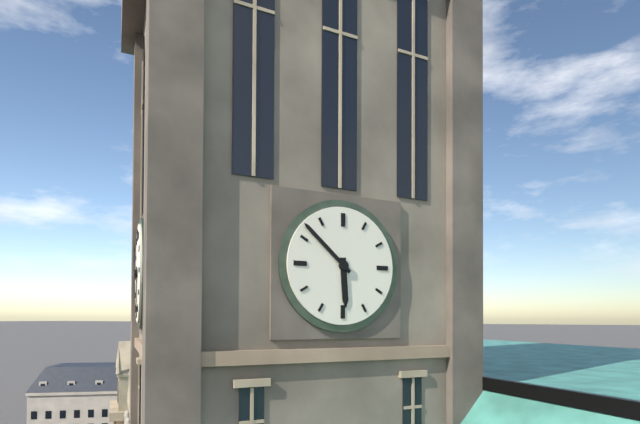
5:52
